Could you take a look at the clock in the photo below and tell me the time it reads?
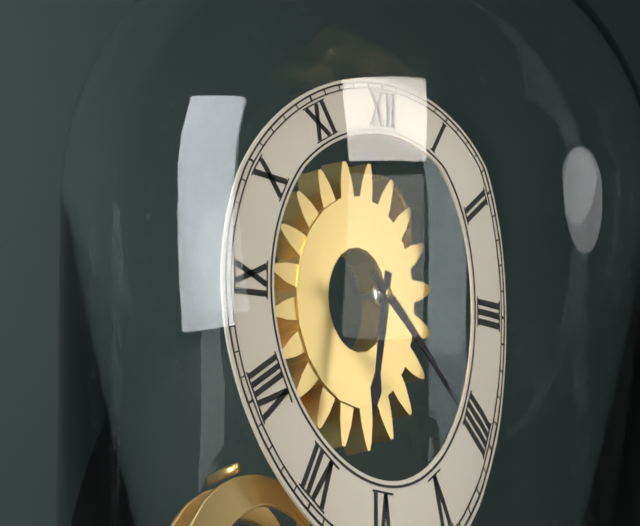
6:21
